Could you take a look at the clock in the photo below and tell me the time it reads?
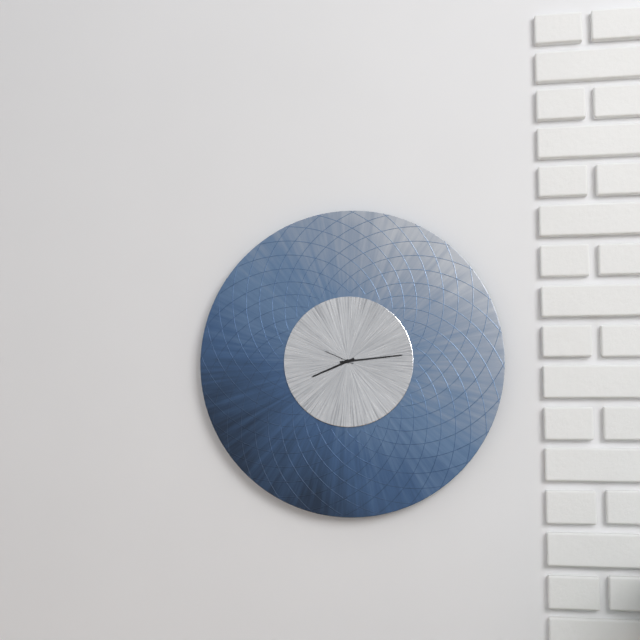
8:14
